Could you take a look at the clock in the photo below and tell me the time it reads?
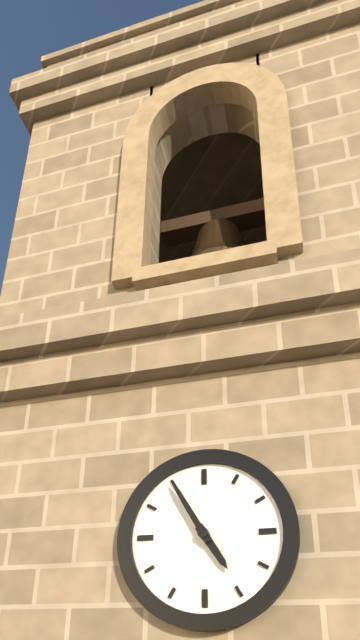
4:55
